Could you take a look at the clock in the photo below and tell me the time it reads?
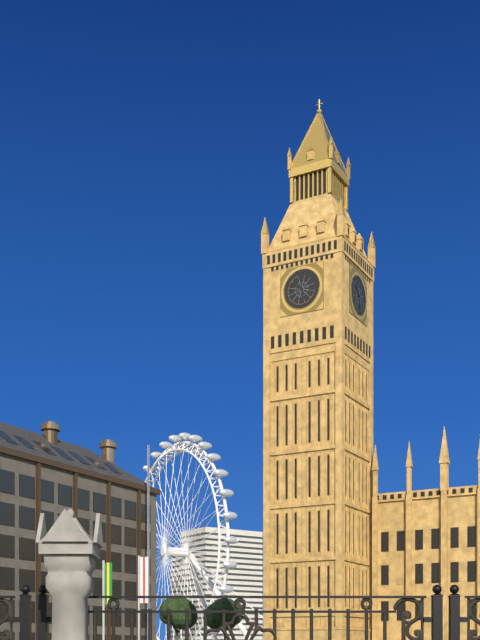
10:28
